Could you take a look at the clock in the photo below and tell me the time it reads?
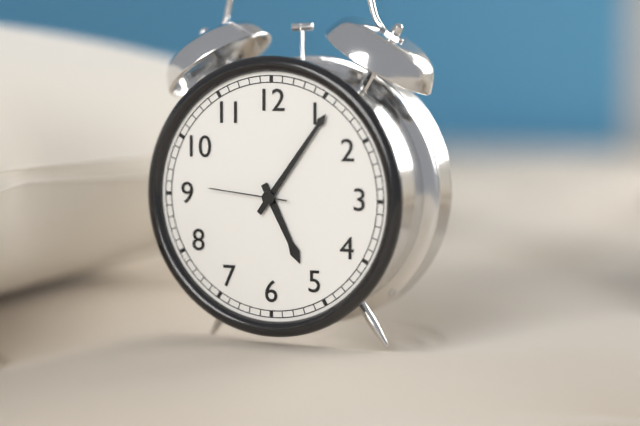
5:06:46
